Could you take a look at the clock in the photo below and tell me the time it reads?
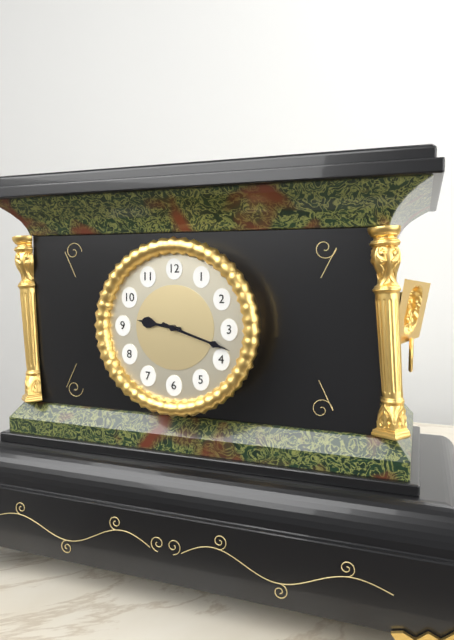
9:18
